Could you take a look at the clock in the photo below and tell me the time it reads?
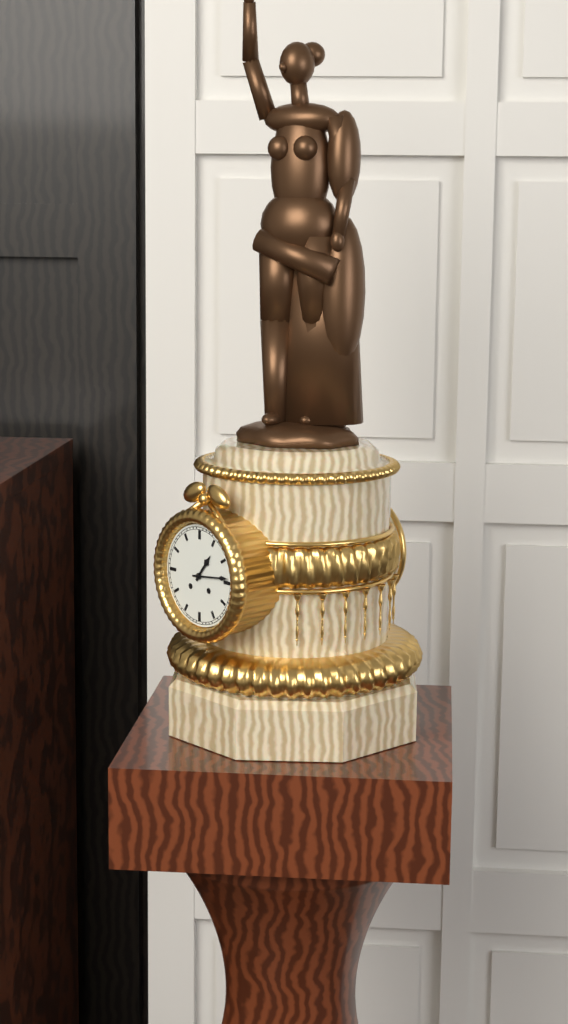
1:14
